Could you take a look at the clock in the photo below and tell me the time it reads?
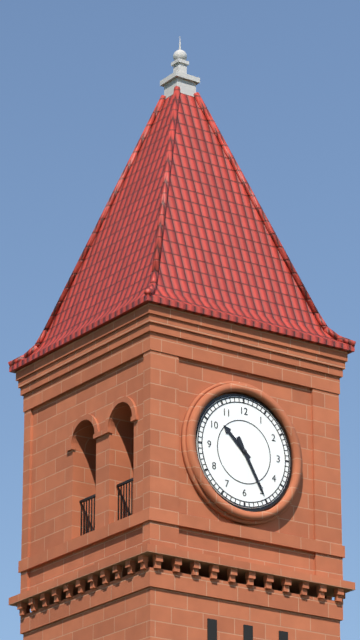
10:25
